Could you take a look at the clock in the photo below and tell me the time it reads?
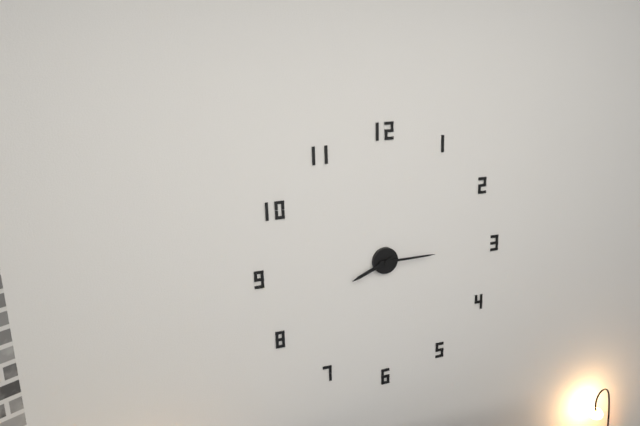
8:15
